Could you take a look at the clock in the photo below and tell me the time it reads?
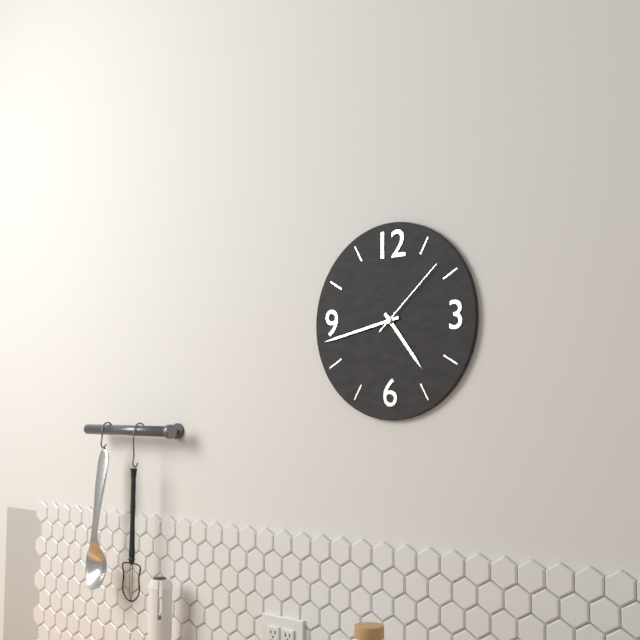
4:43:08
